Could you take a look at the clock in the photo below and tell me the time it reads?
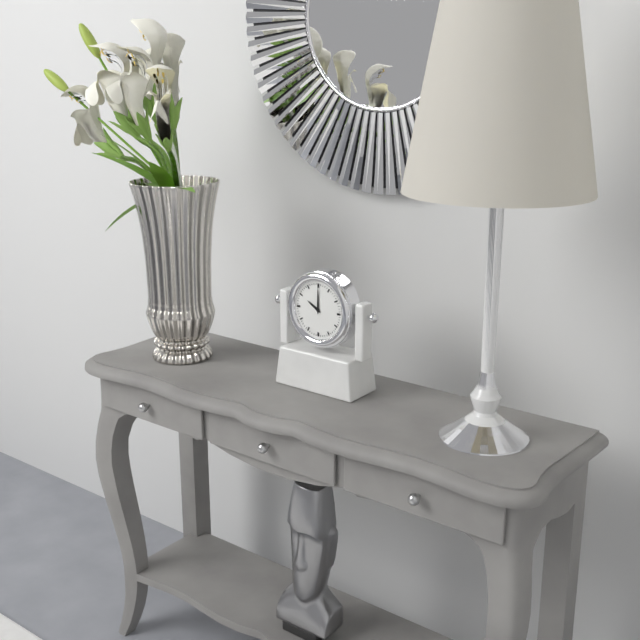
10:00
